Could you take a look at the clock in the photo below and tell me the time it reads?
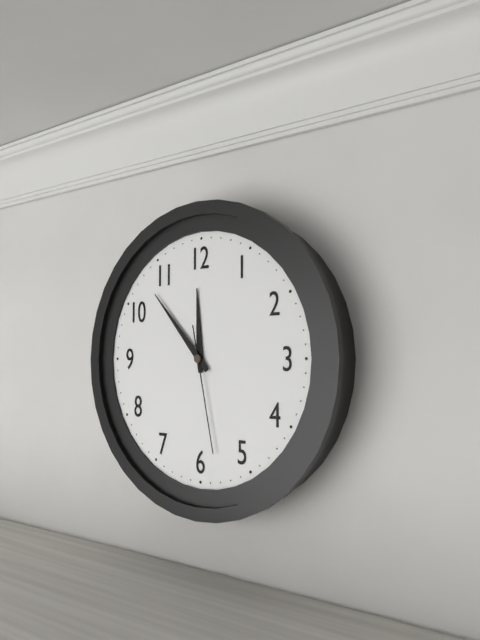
11:53:28
